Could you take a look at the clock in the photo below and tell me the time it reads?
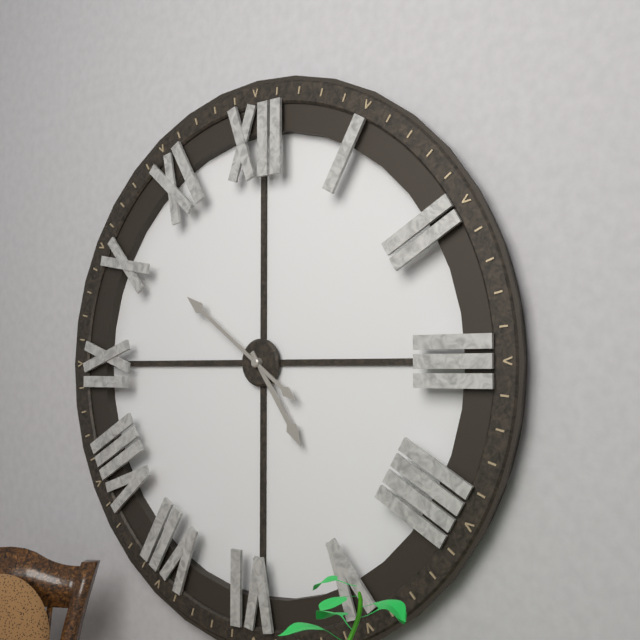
4:51
